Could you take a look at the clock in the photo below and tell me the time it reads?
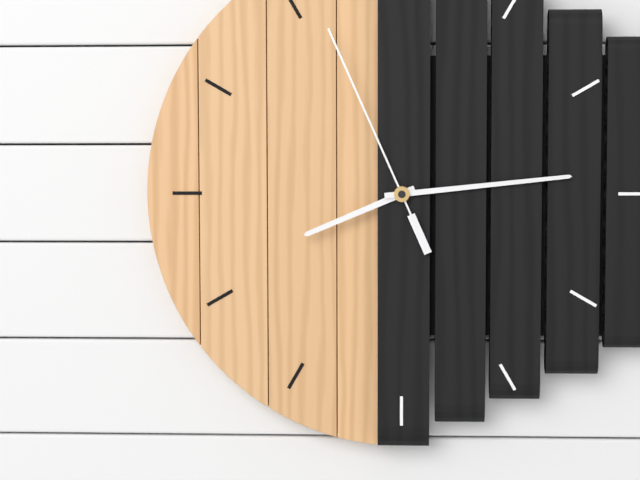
8:14:56
